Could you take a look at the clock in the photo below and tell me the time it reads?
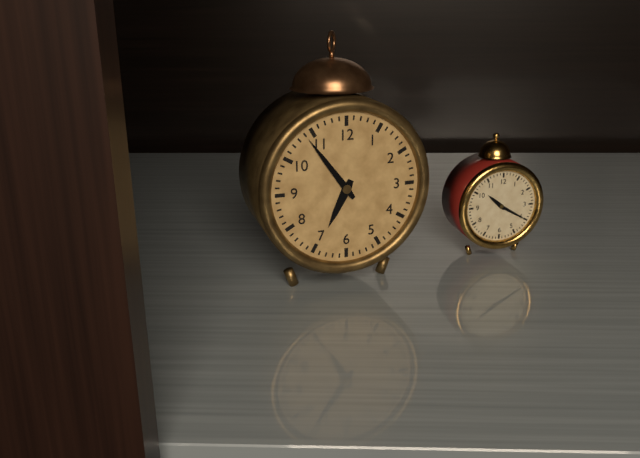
6:54
